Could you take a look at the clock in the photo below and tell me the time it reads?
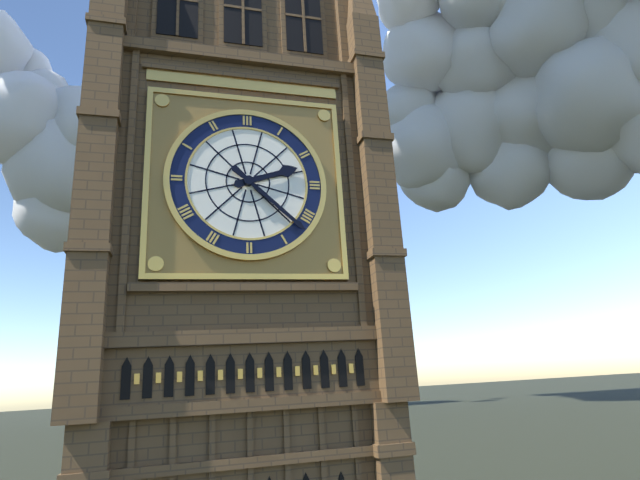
2:22
